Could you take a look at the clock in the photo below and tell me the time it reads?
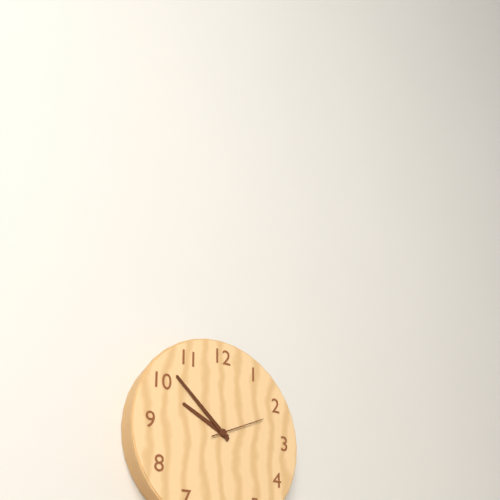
9:52:11
